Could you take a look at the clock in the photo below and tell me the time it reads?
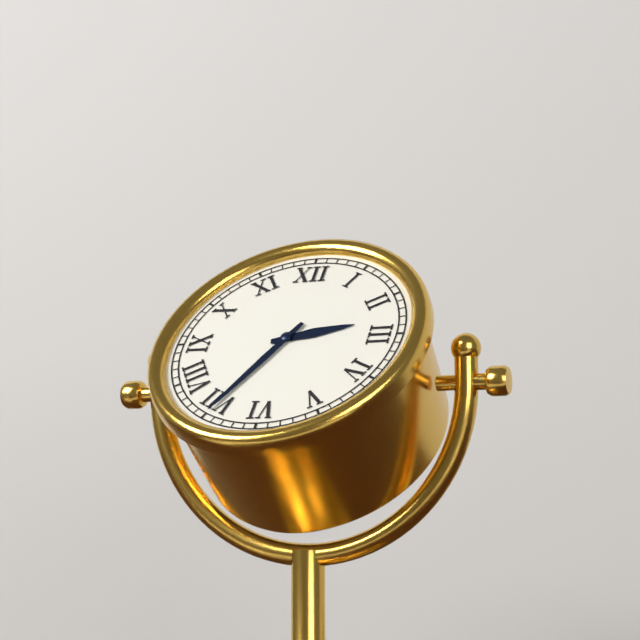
2:35
